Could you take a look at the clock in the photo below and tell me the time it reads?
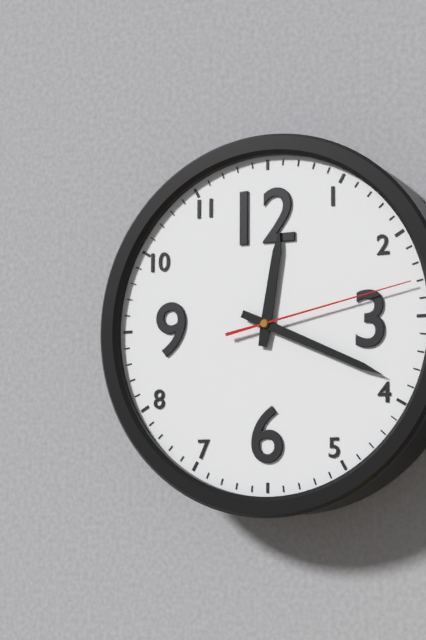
12:19:13
